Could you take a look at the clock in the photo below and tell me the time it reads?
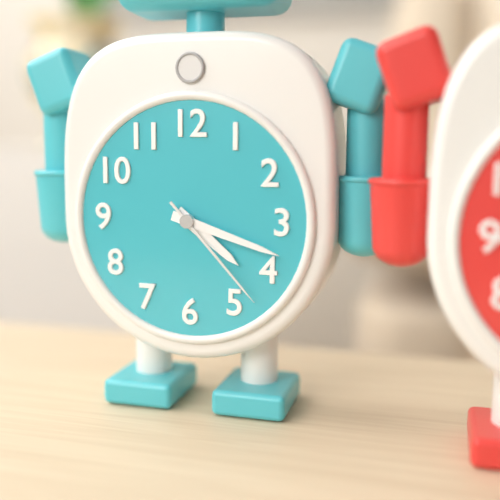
4:18:23
